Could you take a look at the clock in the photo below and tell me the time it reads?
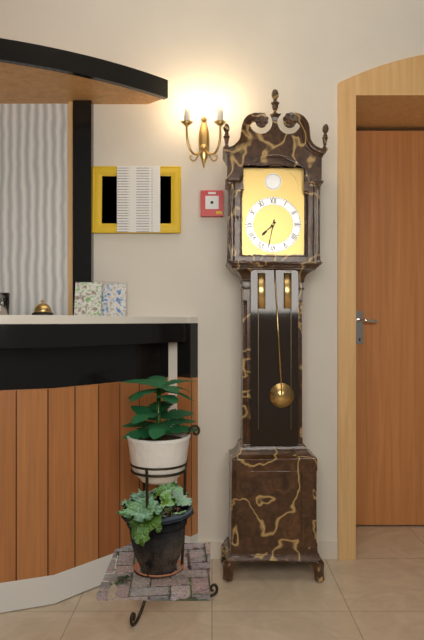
7:32
